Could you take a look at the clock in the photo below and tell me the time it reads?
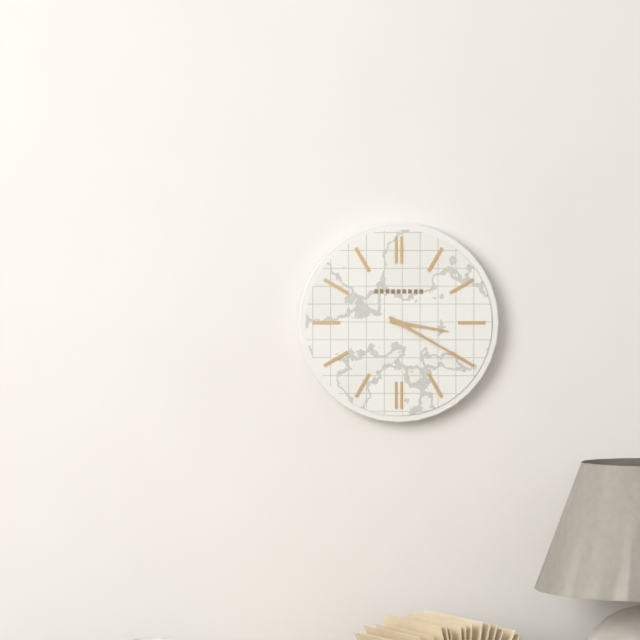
3:20
